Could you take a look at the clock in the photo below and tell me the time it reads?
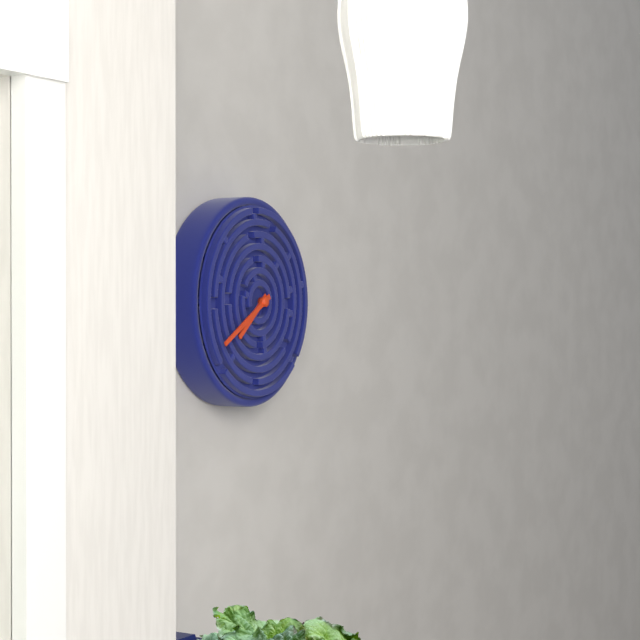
7:40
